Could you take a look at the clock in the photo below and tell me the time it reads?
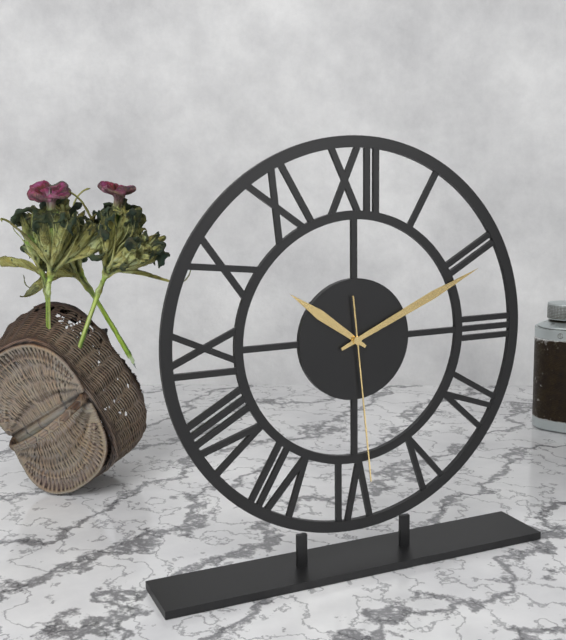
10:11:29
